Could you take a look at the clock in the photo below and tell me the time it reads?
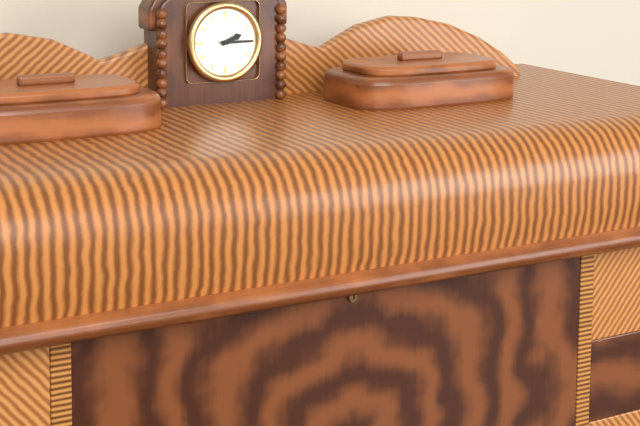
2:15
